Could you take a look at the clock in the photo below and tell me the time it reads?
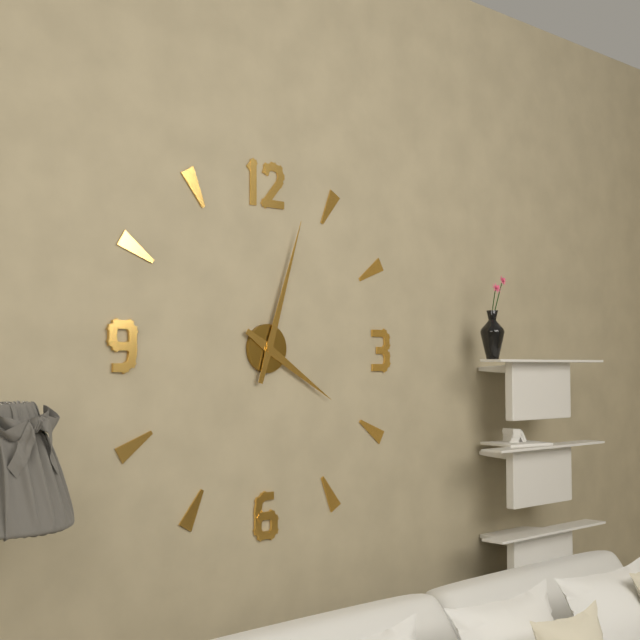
4:03
